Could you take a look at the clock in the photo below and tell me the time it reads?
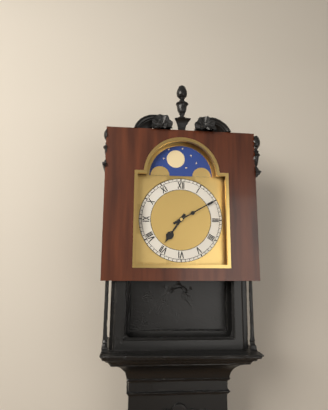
7:10
